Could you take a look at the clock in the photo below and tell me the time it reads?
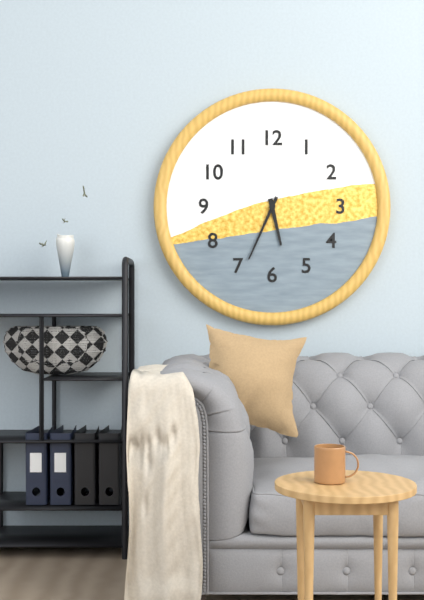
5:34
